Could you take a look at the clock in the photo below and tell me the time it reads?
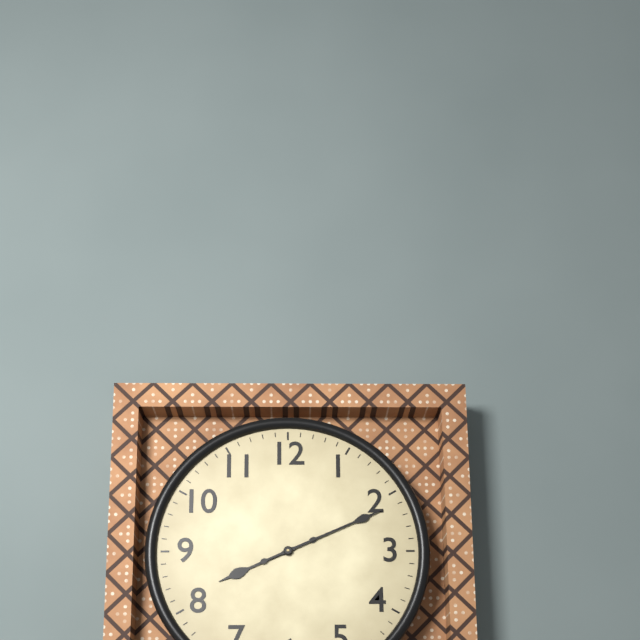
8:11
